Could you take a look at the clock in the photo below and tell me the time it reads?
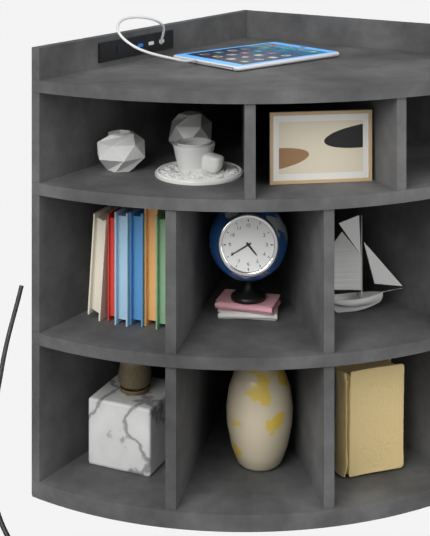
4:40
